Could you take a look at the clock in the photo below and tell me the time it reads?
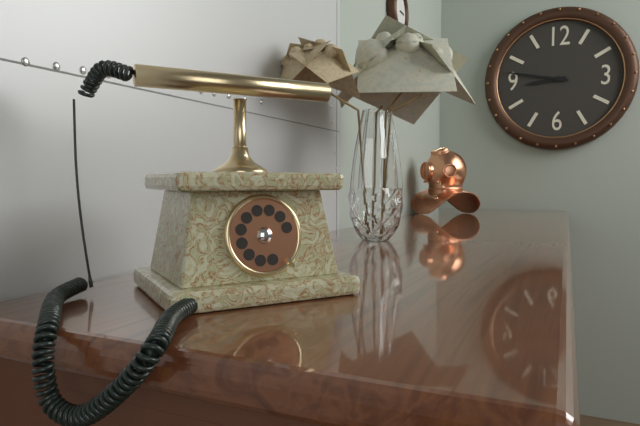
8:47
